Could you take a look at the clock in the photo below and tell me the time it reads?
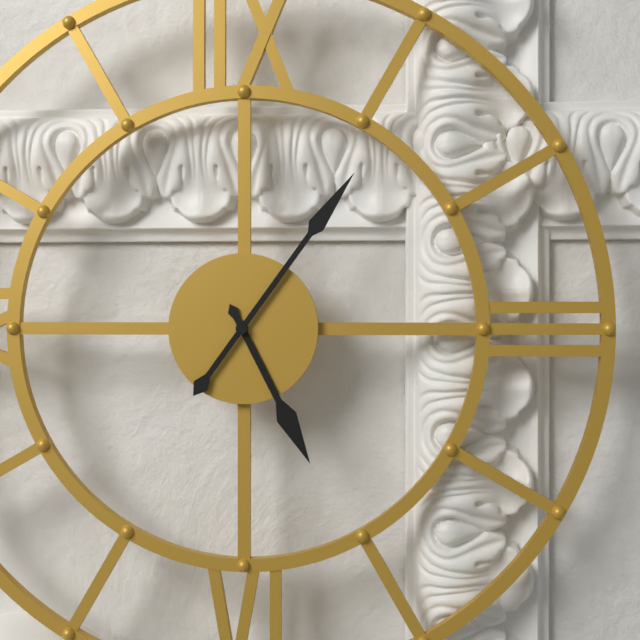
5:06
